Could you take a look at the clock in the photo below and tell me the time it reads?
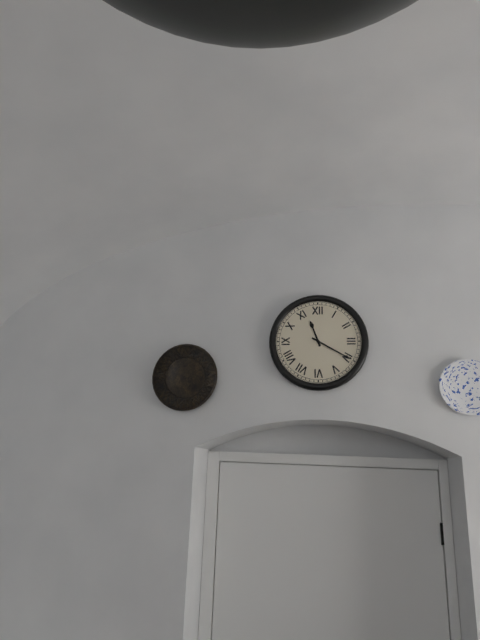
11:20
